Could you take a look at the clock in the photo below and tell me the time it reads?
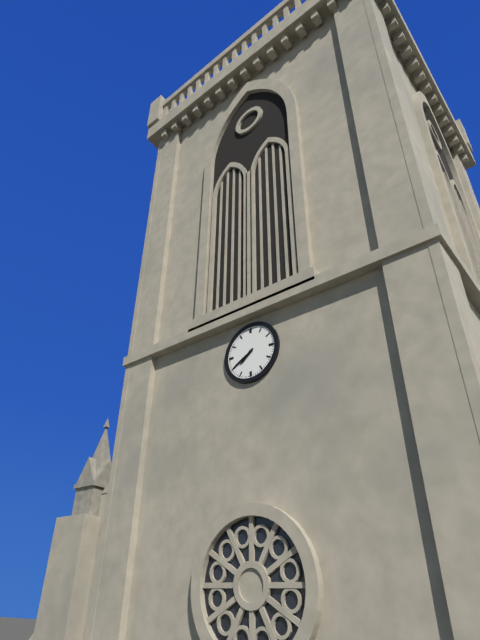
7:40
